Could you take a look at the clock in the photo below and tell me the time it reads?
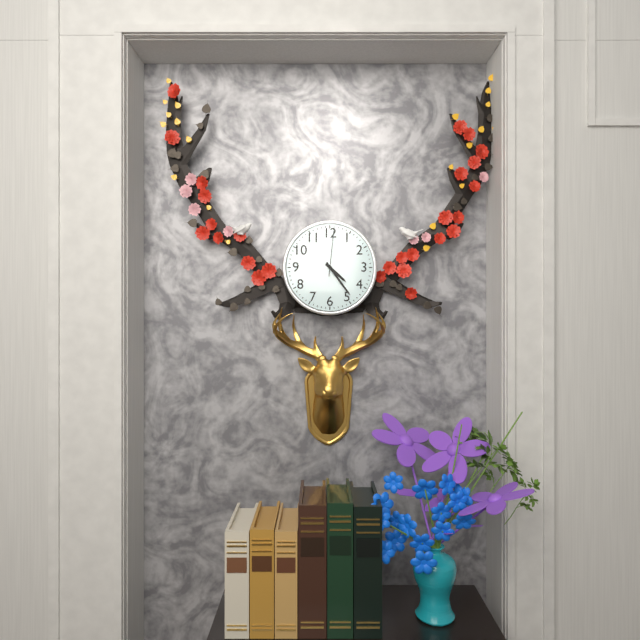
4:24
